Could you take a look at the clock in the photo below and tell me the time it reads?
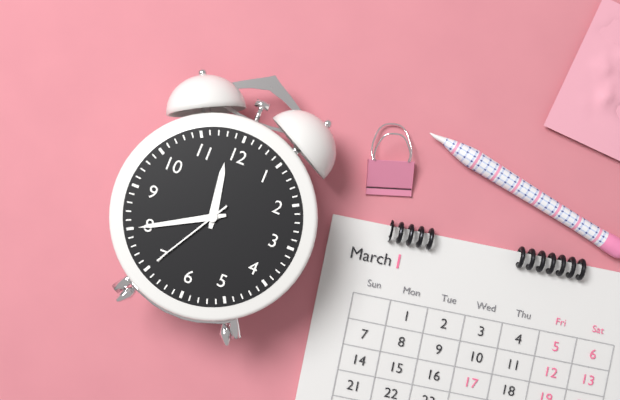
11:40:35
